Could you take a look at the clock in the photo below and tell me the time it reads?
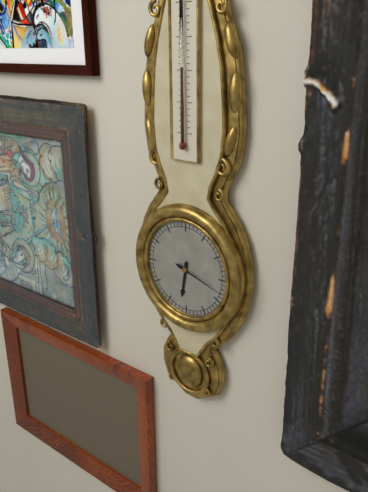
6:18
